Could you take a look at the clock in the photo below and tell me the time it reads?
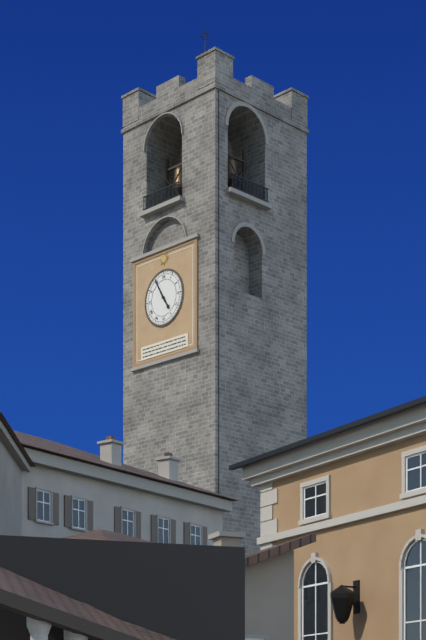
4:55
